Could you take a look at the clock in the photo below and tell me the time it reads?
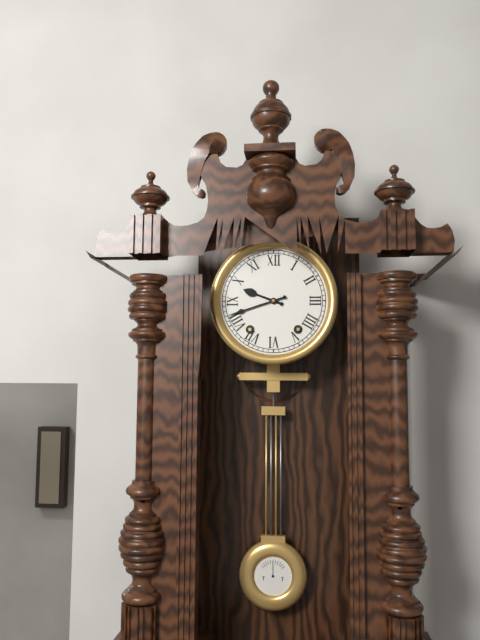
9:42
